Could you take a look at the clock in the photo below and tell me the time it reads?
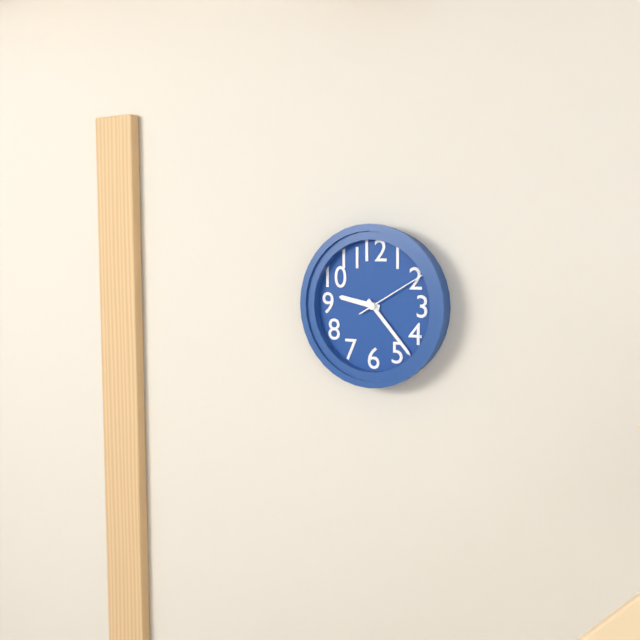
9:23:10
